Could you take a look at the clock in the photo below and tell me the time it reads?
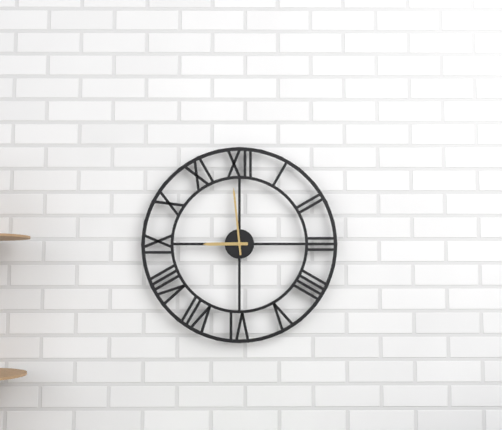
8:59
